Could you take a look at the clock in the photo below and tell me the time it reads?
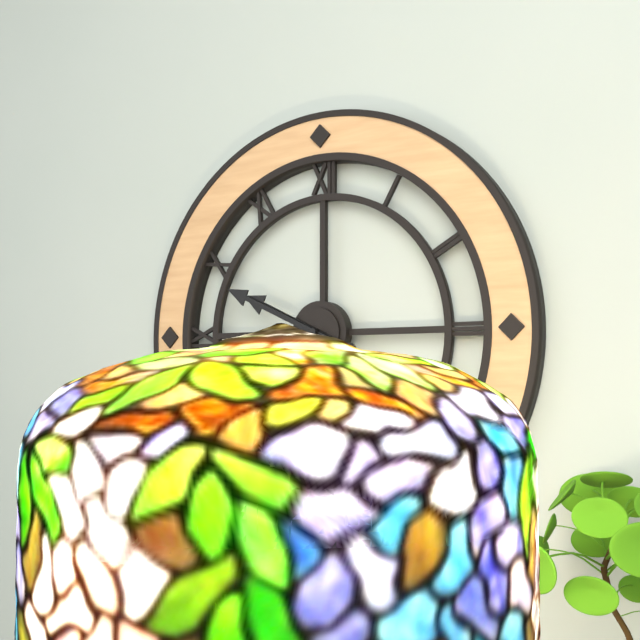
9:49
